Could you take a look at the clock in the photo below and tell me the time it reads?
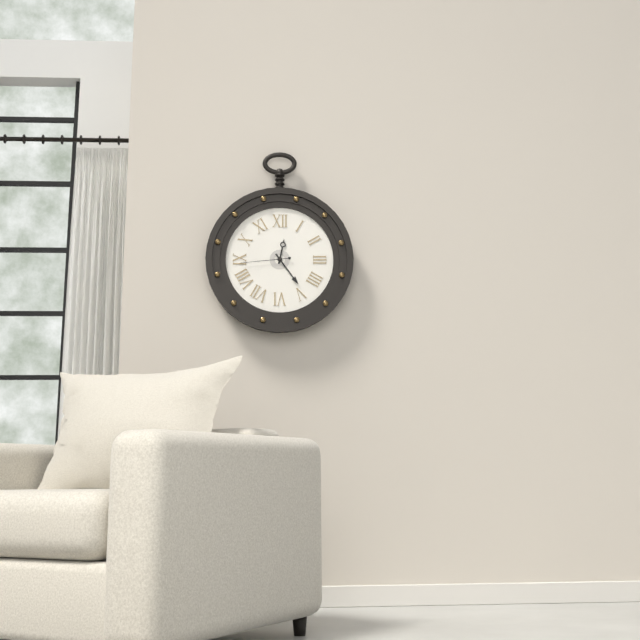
12:24:44
